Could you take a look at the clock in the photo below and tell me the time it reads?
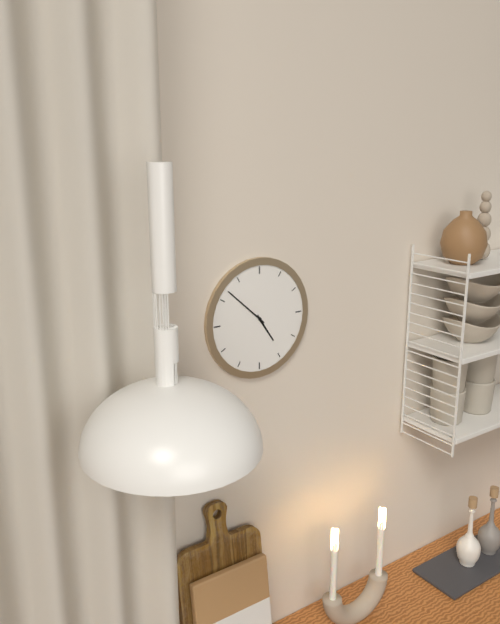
4:52
